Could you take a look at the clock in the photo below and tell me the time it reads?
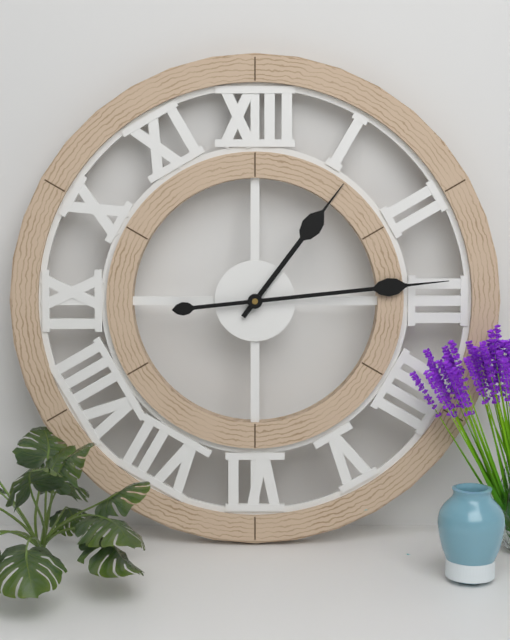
1:14
